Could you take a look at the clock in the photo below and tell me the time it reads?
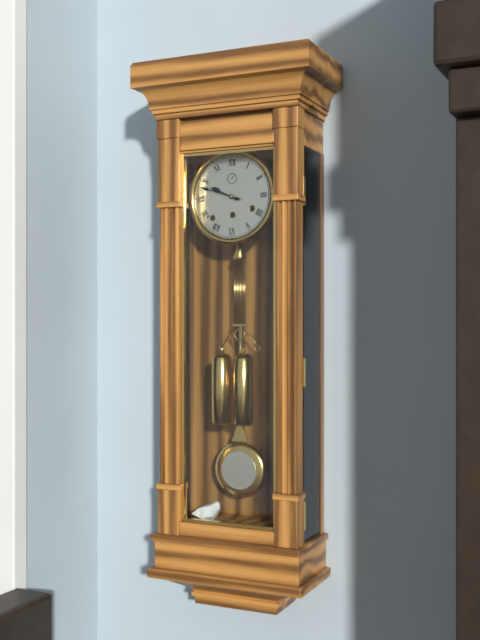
9:48
